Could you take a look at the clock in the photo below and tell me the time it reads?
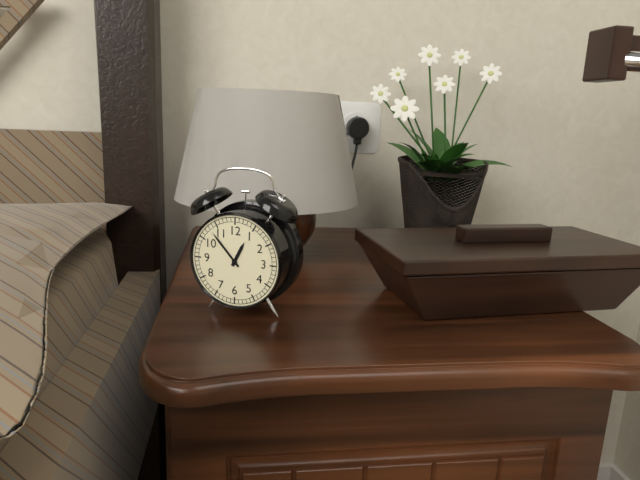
12:53
